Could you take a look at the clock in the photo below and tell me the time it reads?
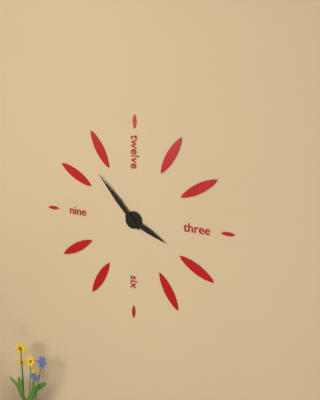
3:53
